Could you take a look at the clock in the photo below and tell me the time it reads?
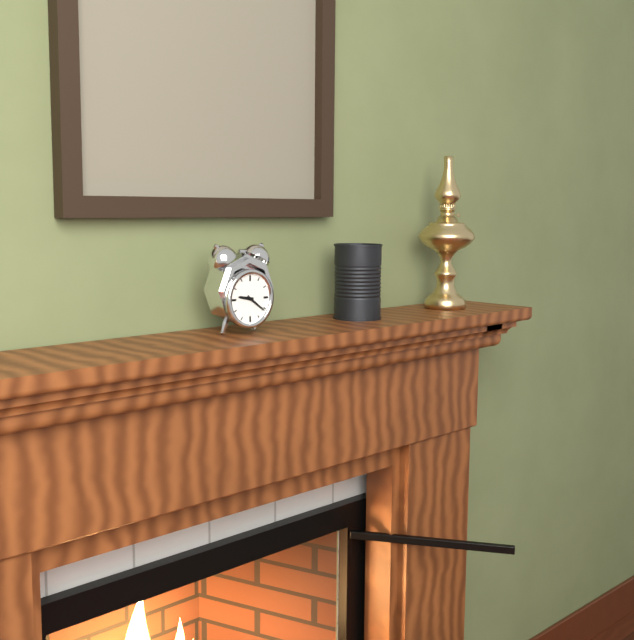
9:21
